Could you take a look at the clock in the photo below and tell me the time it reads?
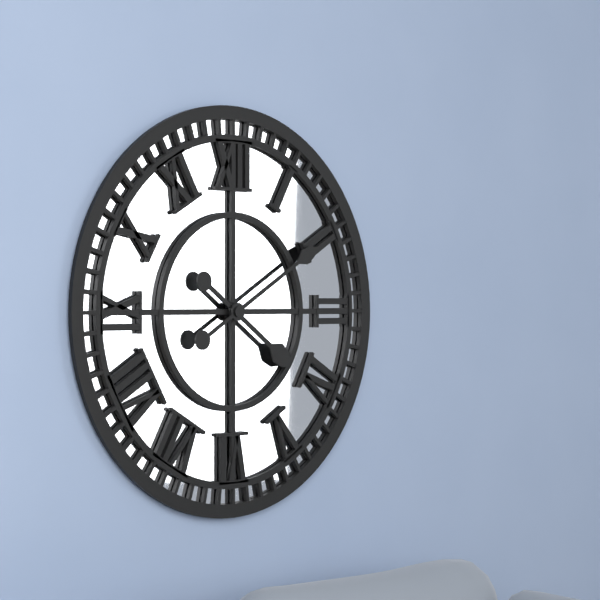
4:10
